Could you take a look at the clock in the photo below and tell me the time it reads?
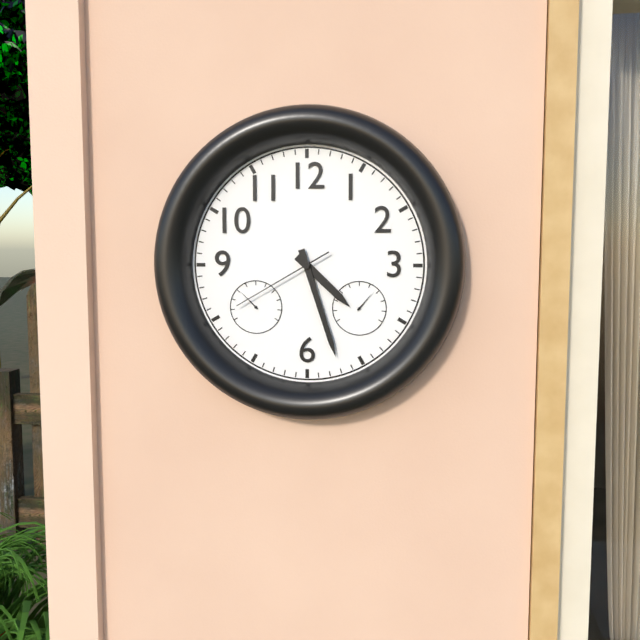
4:27:40
